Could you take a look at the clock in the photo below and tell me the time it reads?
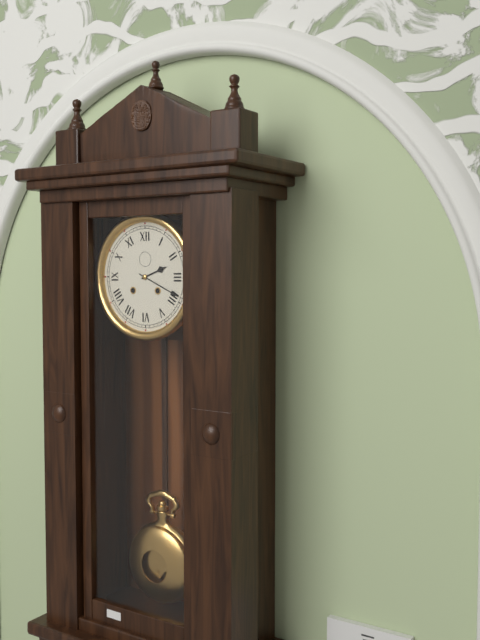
2:19
